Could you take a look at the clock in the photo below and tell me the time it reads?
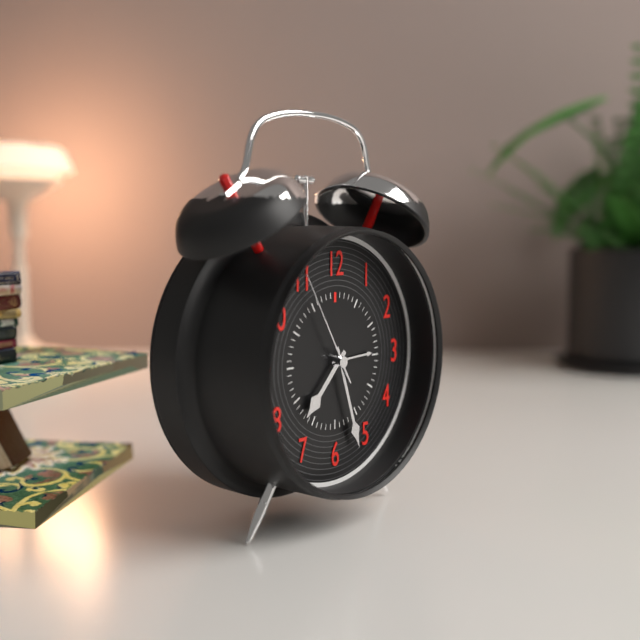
7:27:55
